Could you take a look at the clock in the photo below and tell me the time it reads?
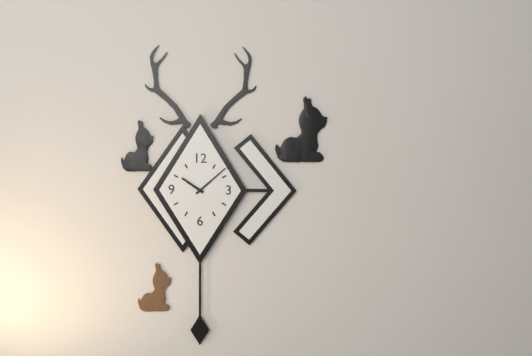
10:08
